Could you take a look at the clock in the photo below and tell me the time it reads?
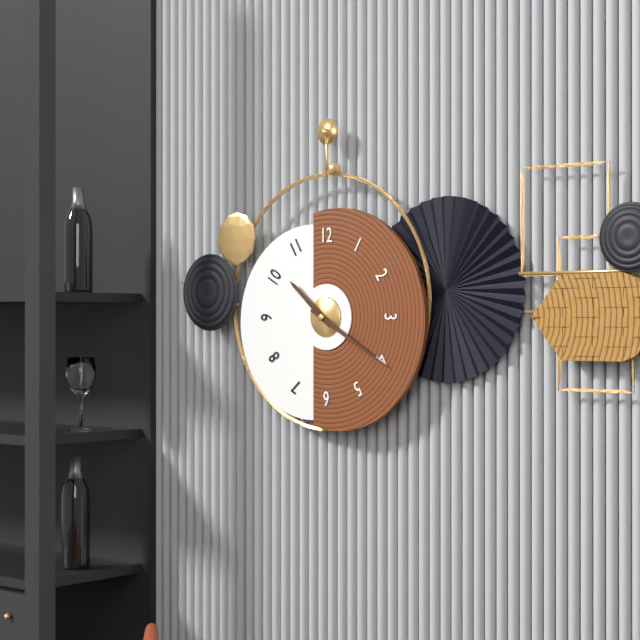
10:20
